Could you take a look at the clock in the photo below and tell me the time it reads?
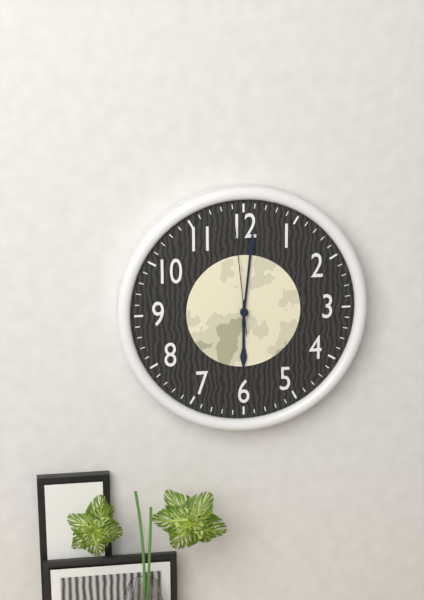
6:01:59
